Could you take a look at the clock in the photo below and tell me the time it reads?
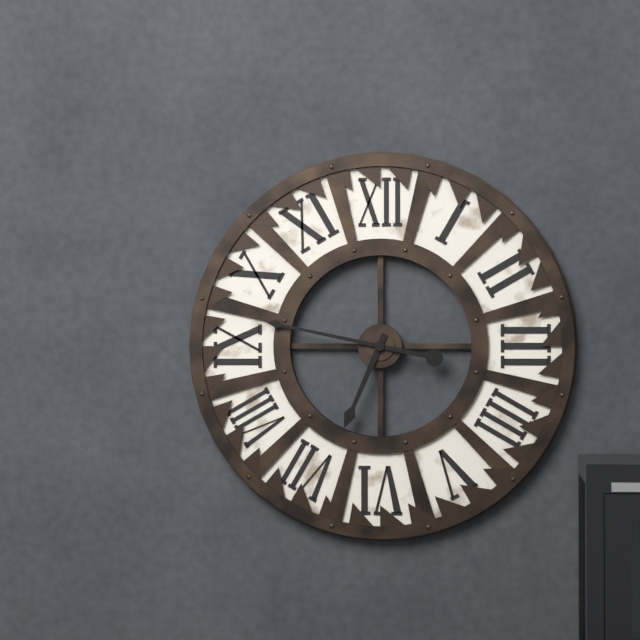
6:47
